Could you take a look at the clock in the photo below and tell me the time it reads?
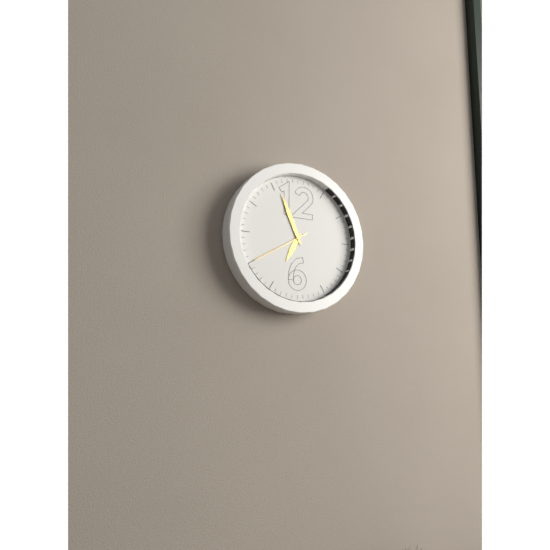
6:56:40
